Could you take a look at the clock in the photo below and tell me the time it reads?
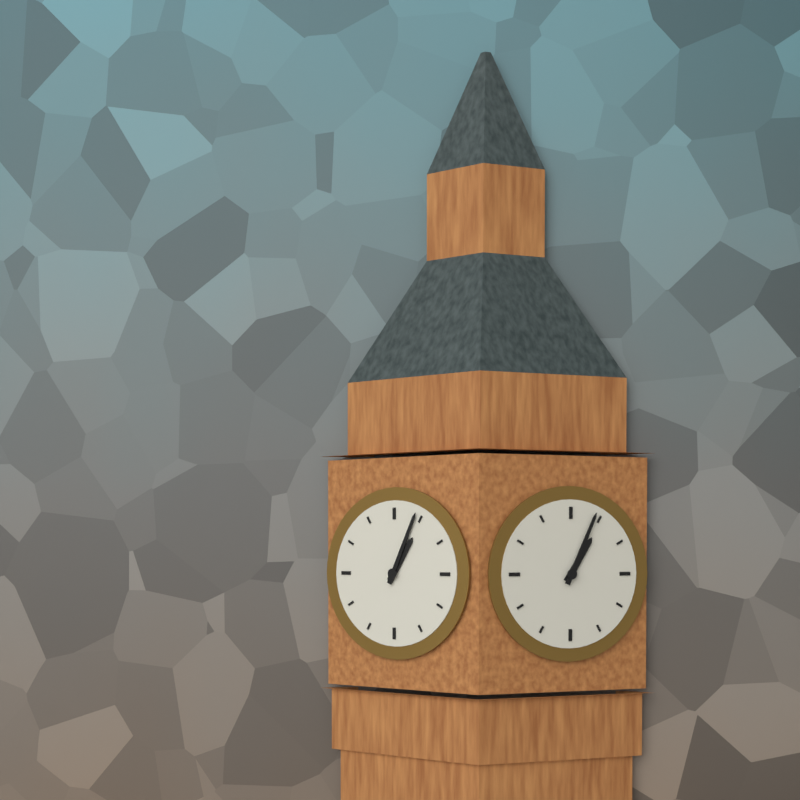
1:04
